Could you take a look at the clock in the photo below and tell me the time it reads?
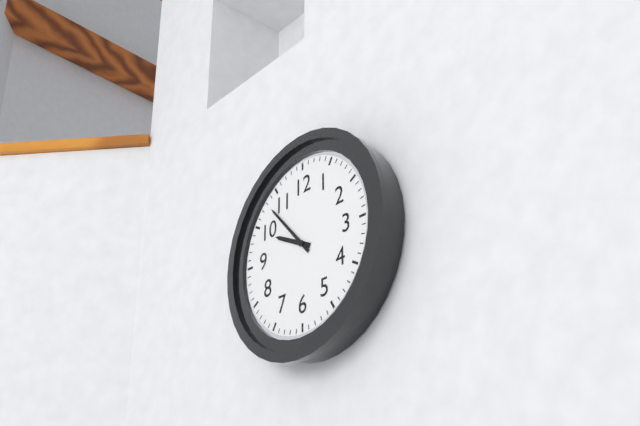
9:53
